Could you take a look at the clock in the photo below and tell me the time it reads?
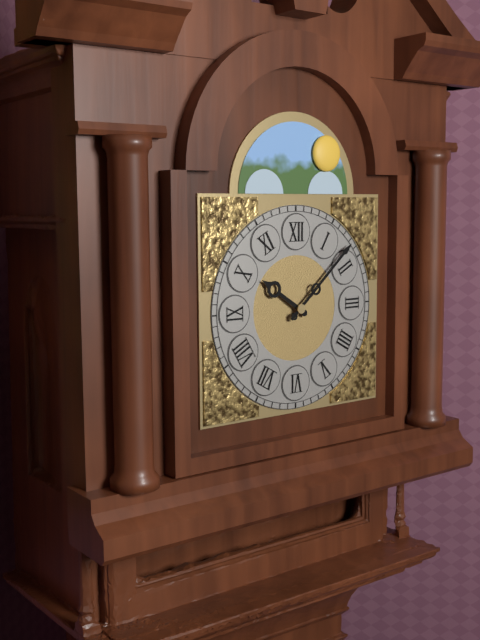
10:08
